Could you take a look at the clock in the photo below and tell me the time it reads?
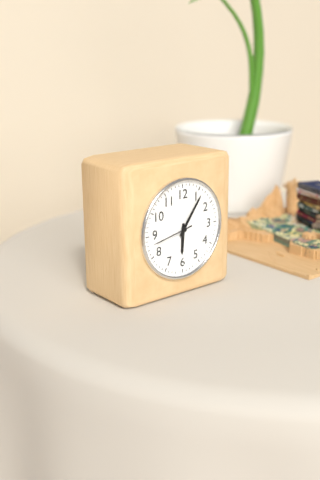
6:06
